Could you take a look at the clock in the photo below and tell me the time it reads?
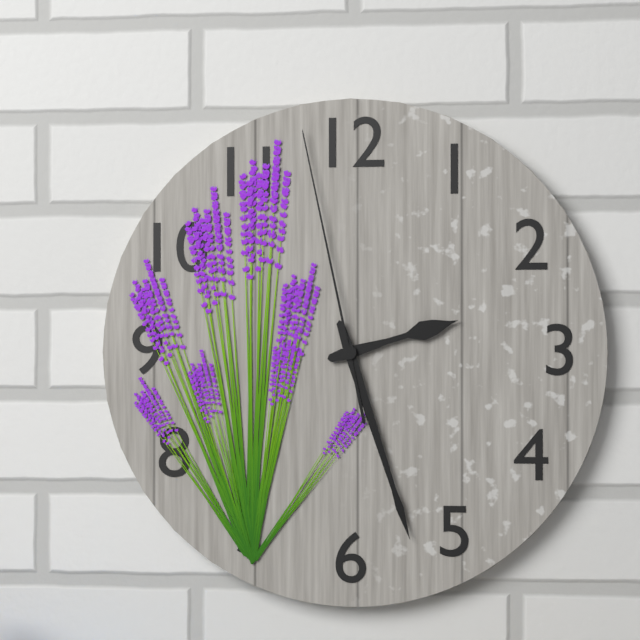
2:27:58
